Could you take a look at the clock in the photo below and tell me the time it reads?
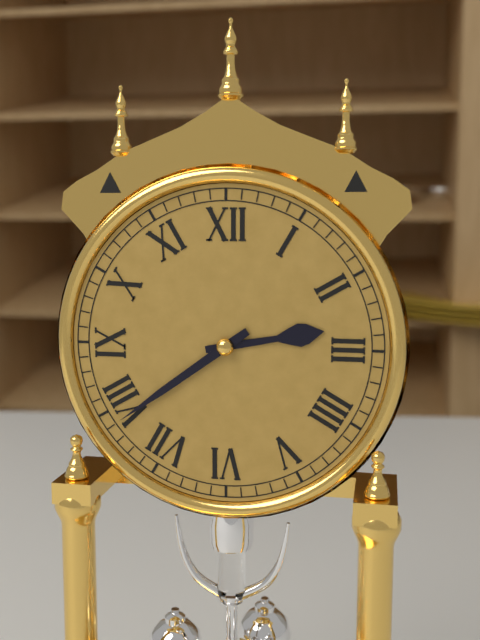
2:39
